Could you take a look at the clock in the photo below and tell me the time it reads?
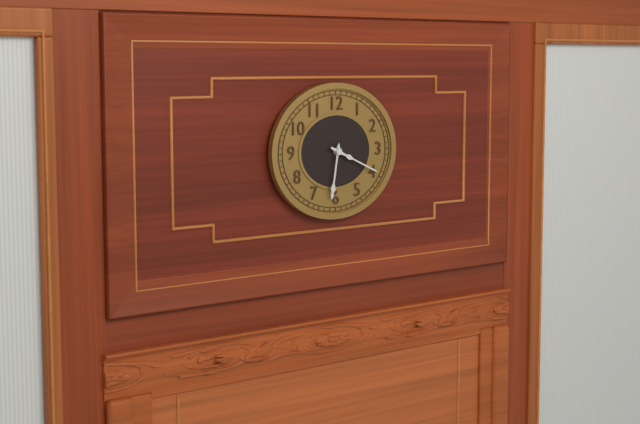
6:19
